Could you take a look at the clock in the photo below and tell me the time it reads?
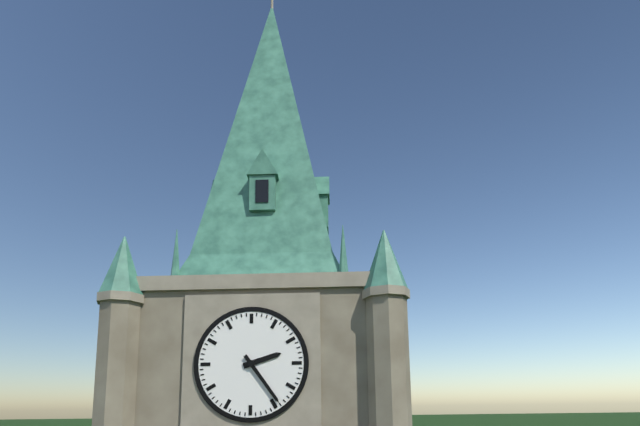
2:24
